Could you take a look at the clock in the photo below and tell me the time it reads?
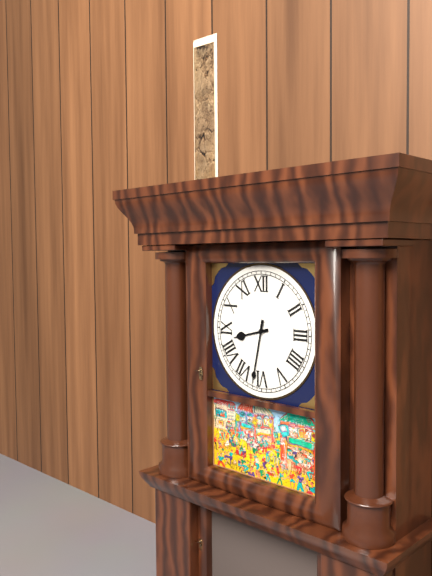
8:32
